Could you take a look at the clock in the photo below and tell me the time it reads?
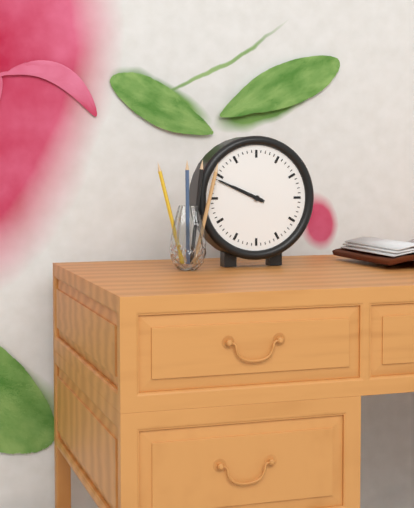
9:49
